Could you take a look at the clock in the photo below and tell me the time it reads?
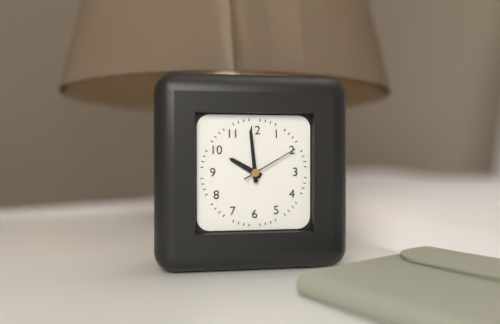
9:59:10
